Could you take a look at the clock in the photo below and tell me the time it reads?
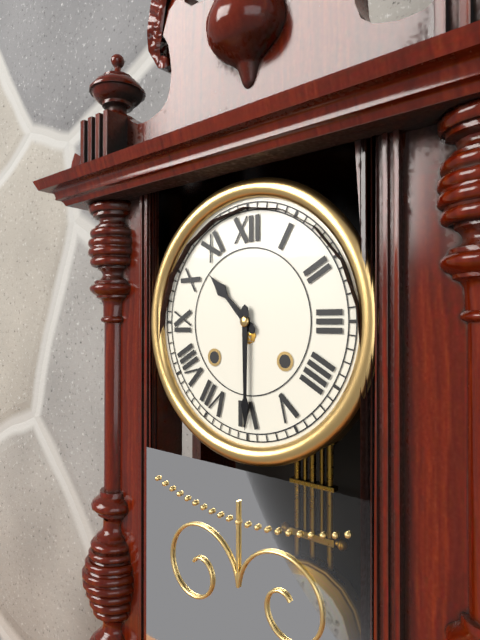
10:30
